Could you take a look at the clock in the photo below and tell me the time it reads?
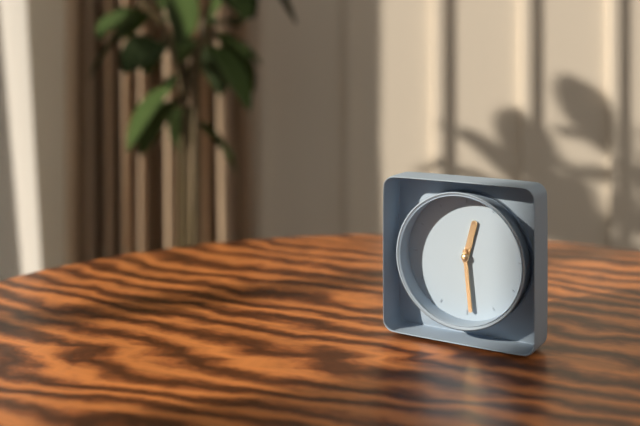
12:29
